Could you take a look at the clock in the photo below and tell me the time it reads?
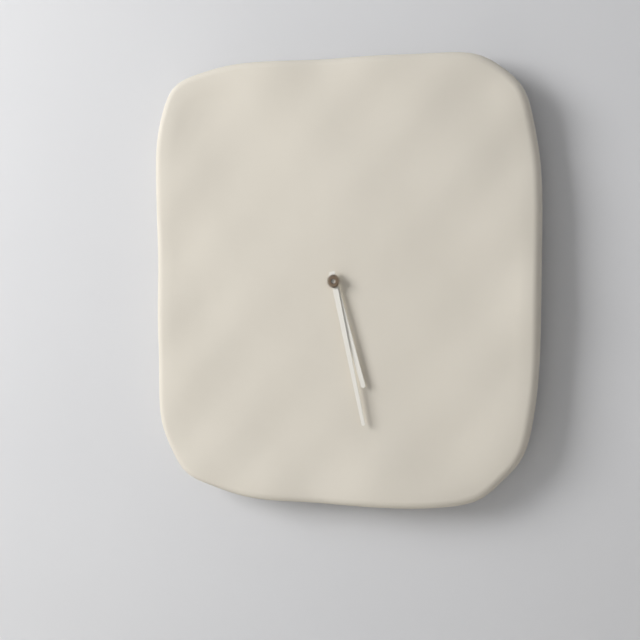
5:28
